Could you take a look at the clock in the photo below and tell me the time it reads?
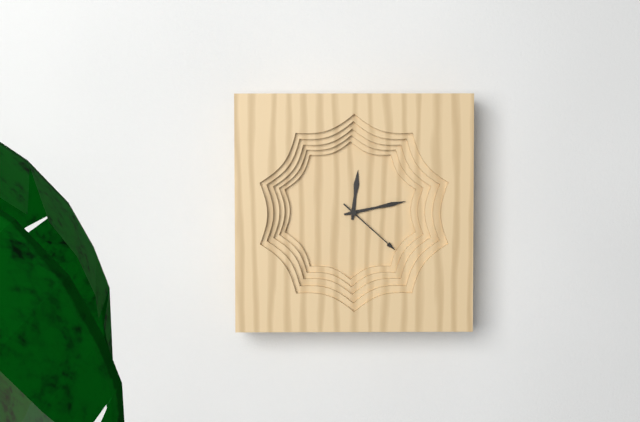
12:13:22
